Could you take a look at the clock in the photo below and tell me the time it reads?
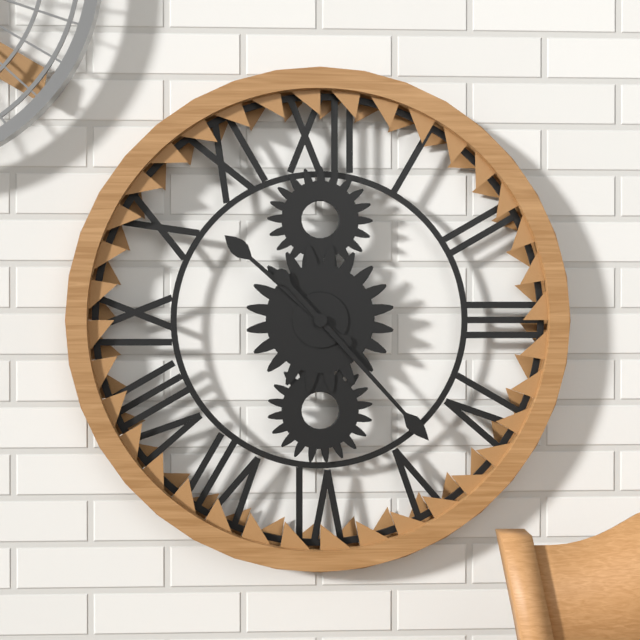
10:23
